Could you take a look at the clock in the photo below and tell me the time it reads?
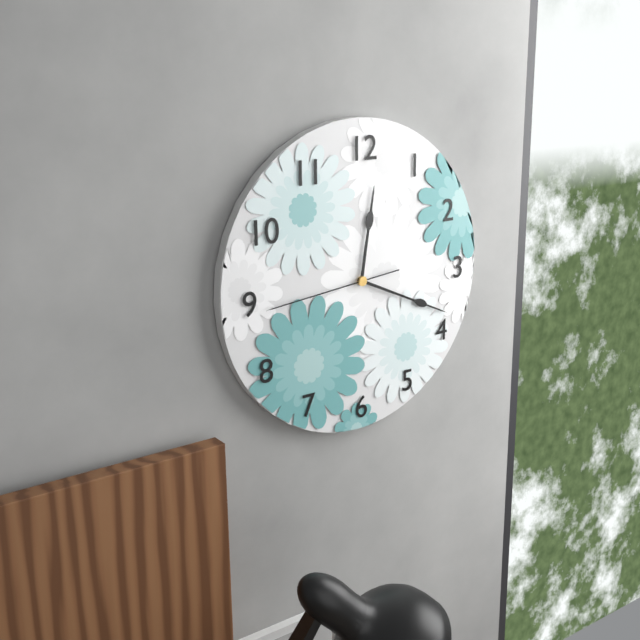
12:19:44
